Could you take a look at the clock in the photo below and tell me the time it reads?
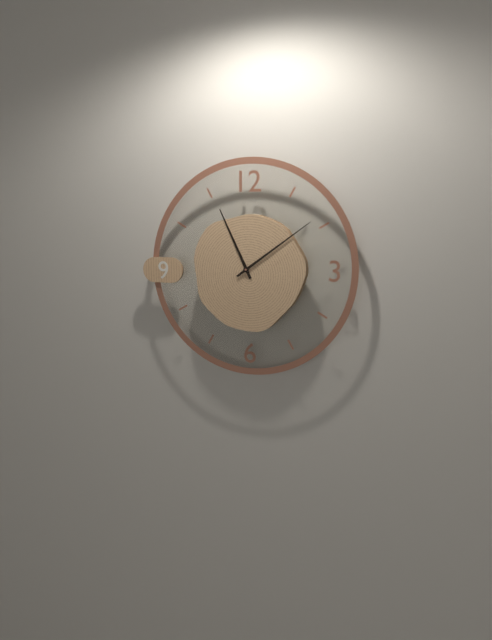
11:09
